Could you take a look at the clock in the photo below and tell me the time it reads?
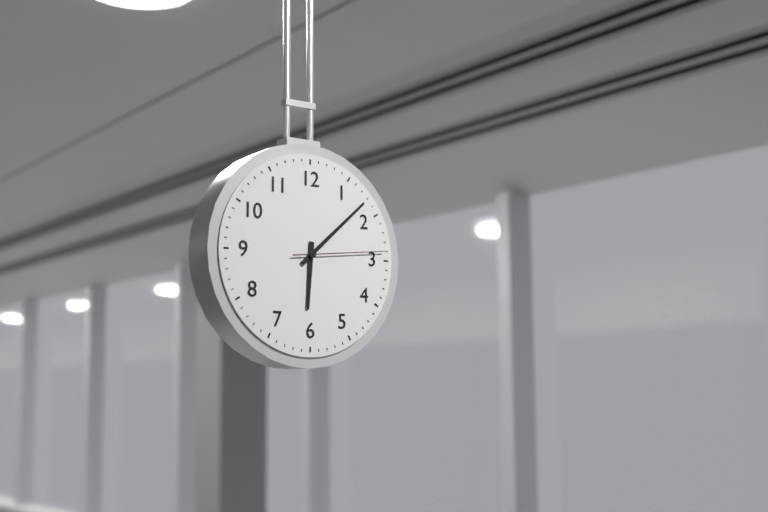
6:08:14
